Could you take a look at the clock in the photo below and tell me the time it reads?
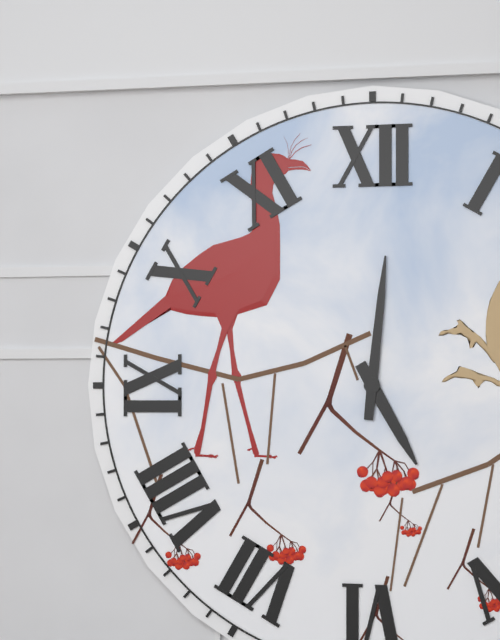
5:01
